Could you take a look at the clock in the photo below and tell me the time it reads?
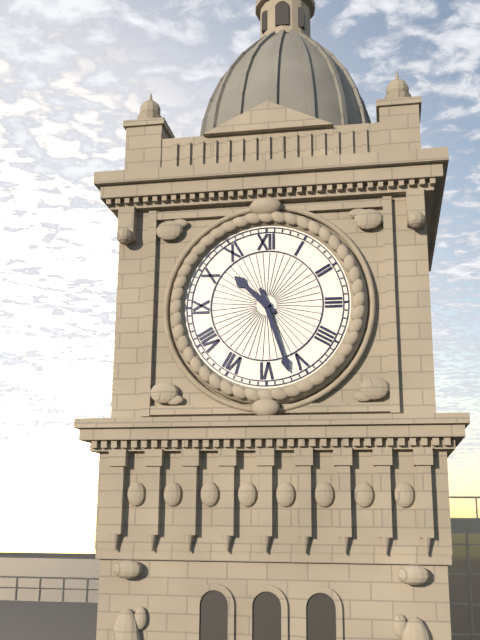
10:27
